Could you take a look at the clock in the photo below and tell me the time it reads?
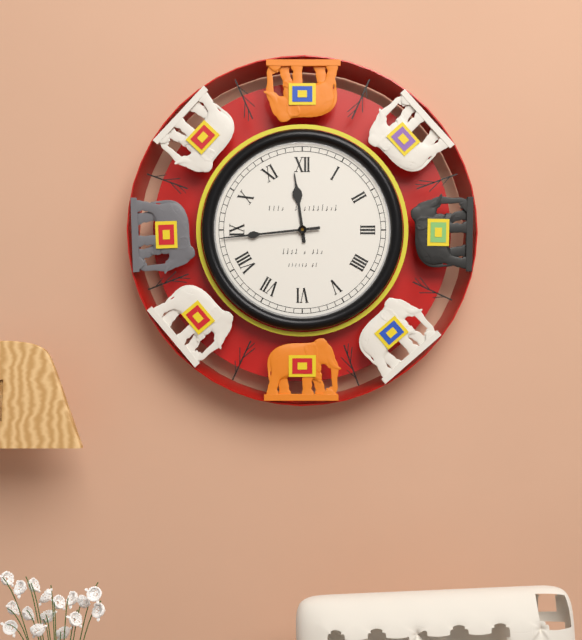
11:44
